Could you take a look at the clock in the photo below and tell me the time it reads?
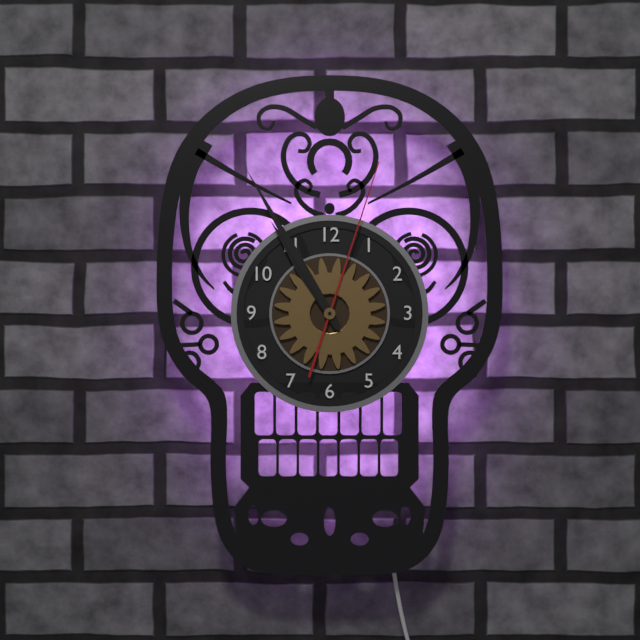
10:55:03
